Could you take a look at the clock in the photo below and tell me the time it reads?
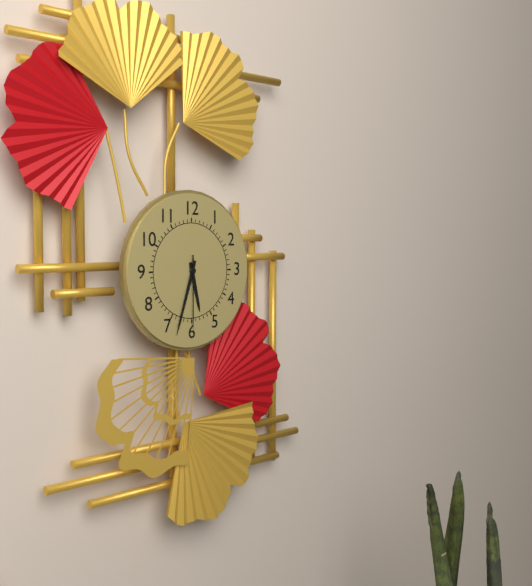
5:33:30
